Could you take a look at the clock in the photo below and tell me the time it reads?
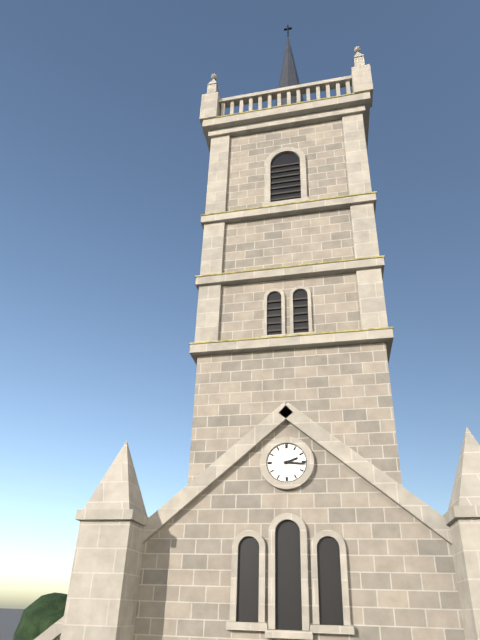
2:16
